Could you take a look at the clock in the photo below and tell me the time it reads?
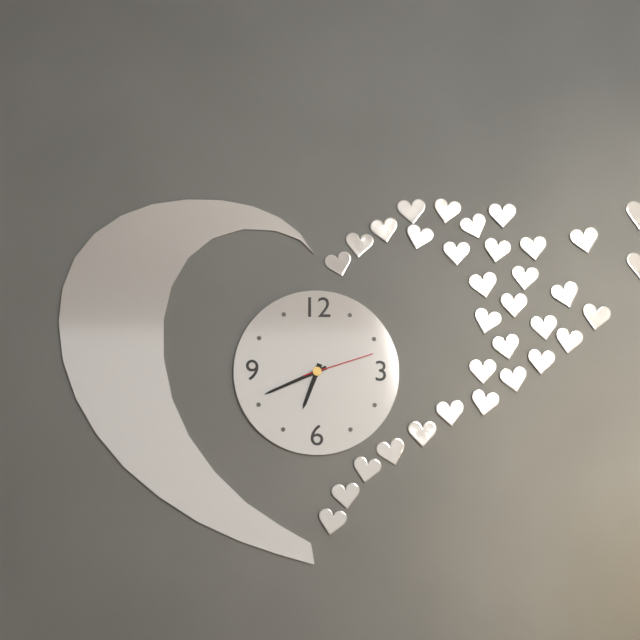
6:41:12
